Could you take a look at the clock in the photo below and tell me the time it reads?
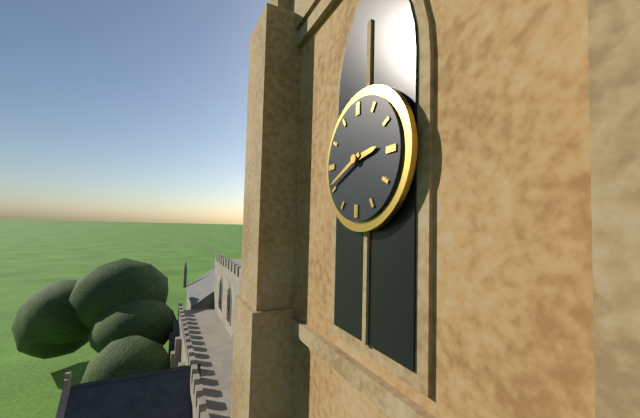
2:41
